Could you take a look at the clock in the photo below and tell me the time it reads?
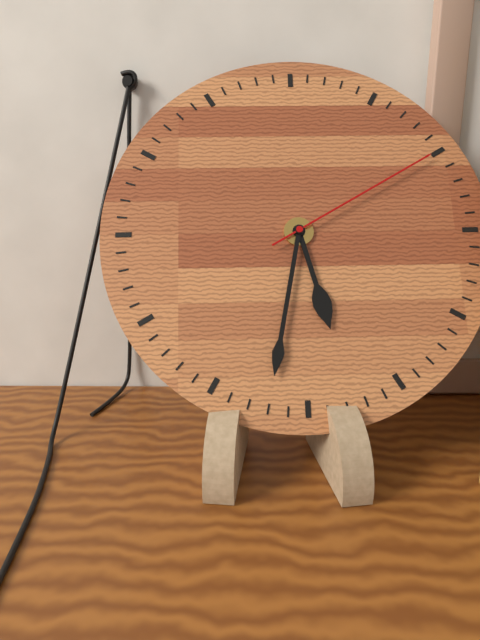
5:32:10
